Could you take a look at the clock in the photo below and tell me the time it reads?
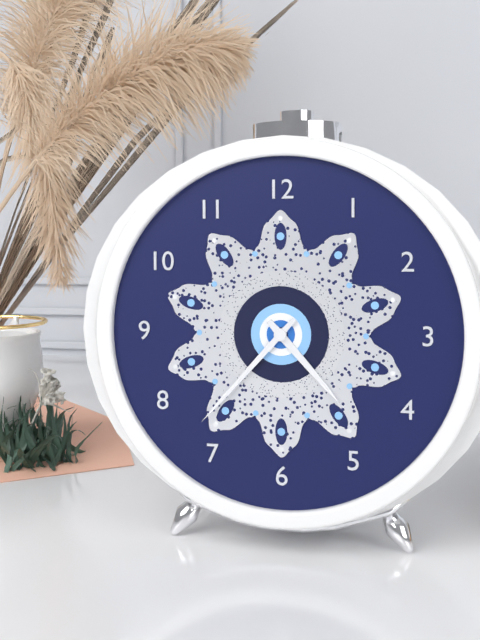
4:37
